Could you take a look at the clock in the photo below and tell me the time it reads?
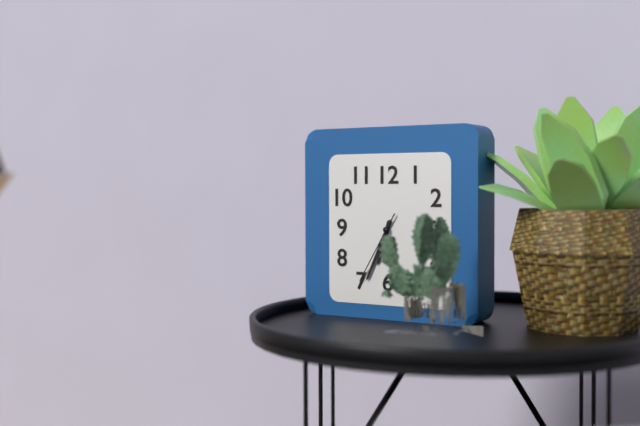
6:34:35
